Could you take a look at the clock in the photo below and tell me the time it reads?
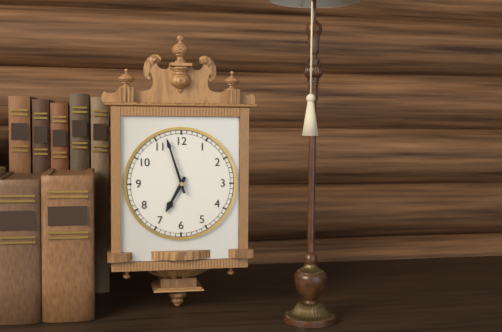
6:57
